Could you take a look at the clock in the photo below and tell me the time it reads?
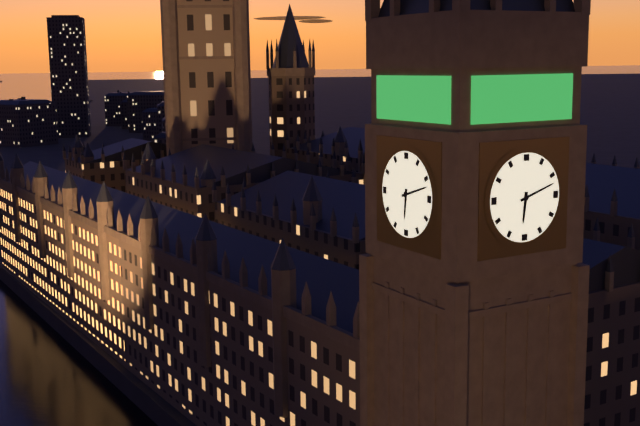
6:12
